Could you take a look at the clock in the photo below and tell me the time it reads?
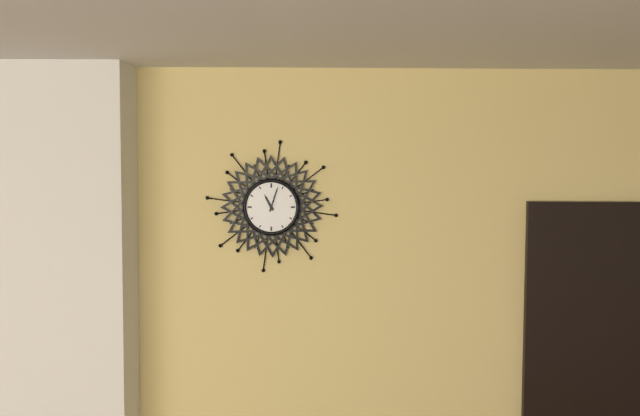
11:03
